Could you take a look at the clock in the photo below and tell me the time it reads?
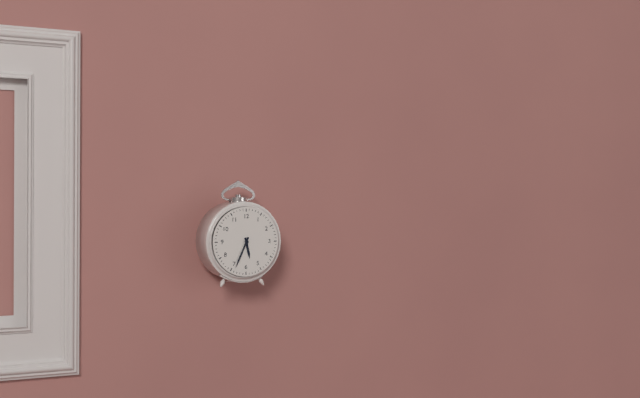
5:34
